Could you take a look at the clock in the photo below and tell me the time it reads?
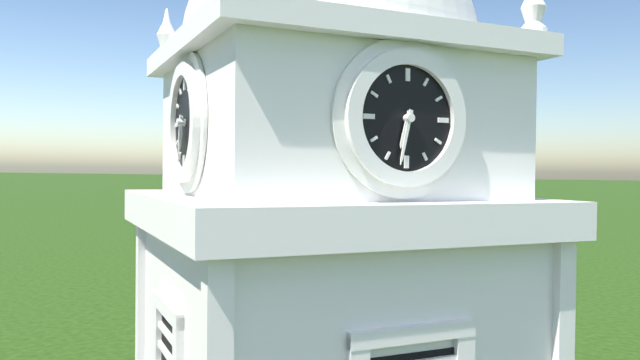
6:32
